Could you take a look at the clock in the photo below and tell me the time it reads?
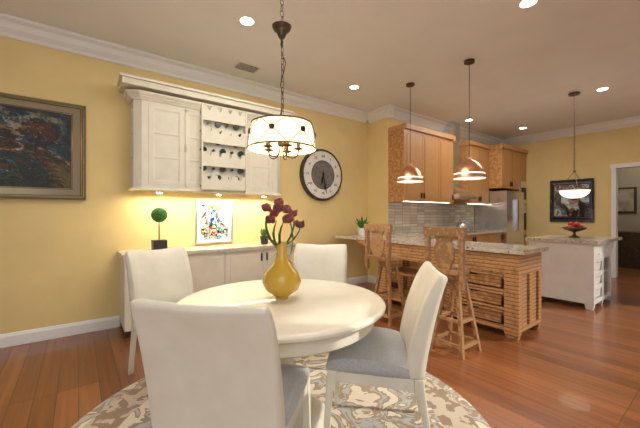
6:28
